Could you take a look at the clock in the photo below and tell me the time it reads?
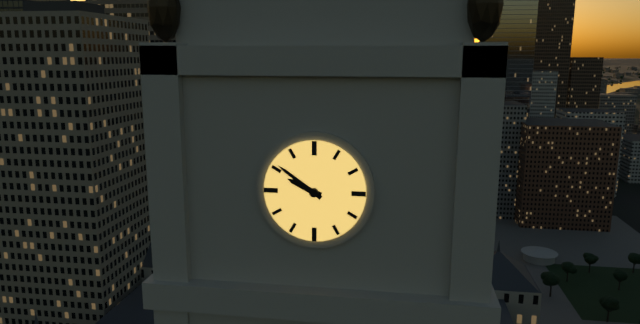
9:51
